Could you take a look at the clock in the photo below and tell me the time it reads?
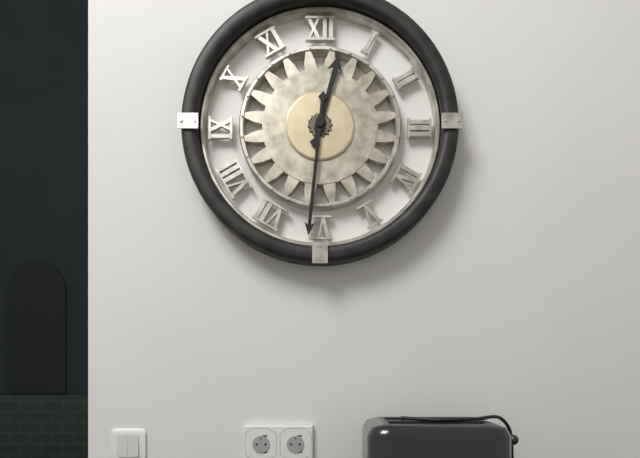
12:31
